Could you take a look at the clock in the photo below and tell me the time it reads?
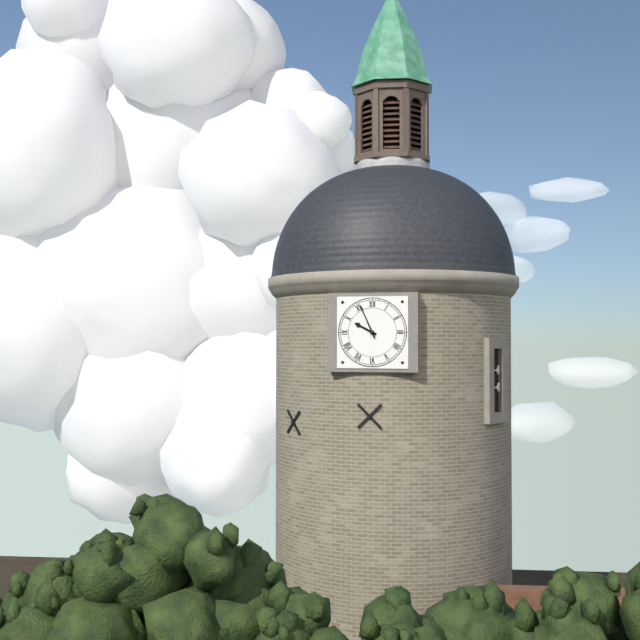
9:56
